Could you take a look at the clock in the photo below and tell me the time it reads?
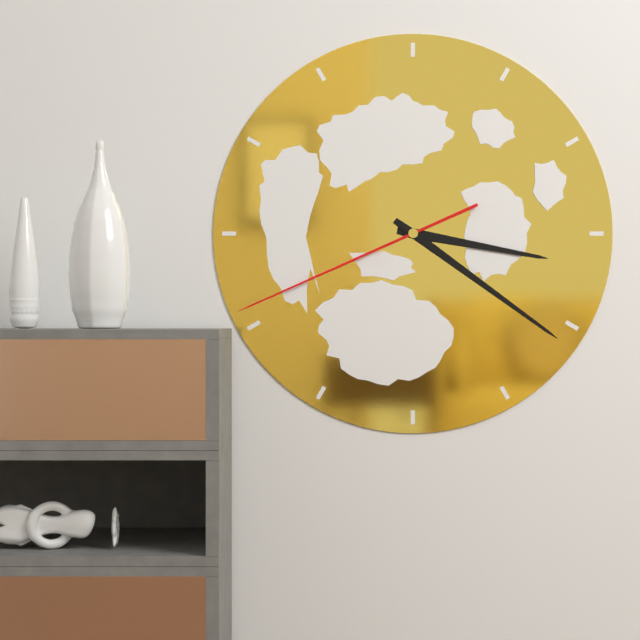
3:21:41
